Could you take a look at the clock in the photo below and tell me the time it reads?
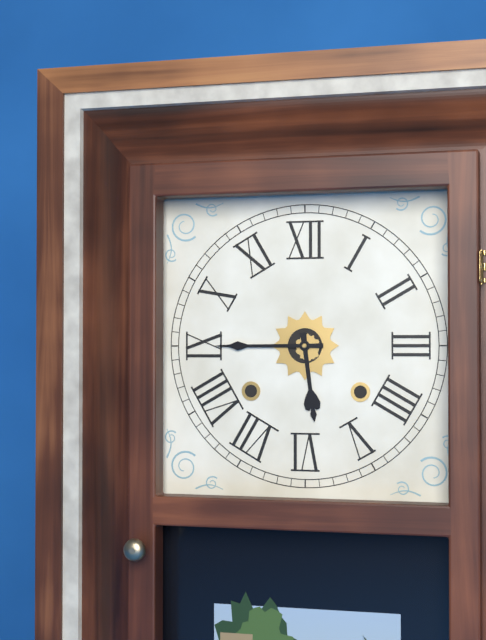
5:45
